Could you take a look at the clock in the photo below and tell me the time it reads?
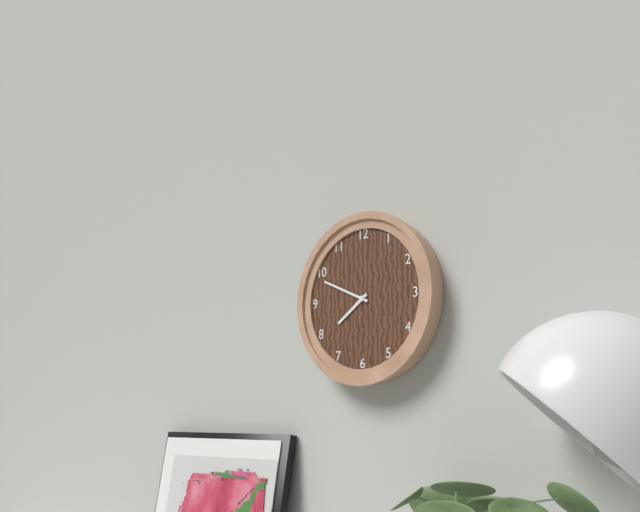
7:49
